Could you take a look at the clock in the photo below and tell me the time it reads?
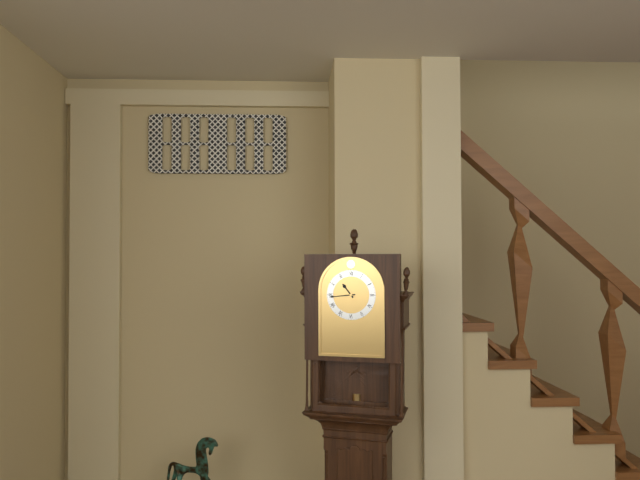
10:44
